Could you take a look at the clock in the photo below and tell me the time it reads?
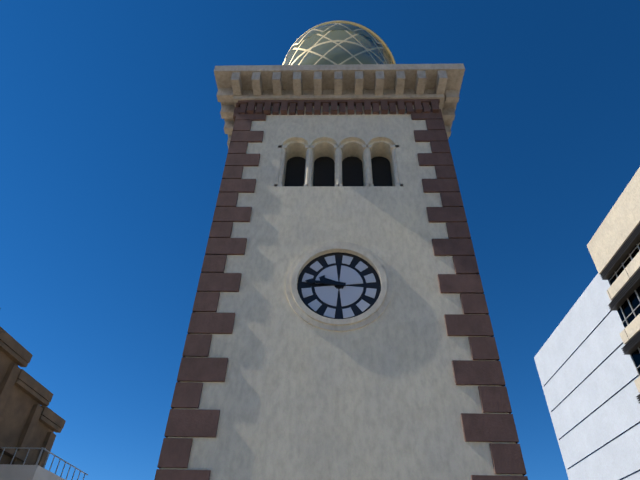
9:46
